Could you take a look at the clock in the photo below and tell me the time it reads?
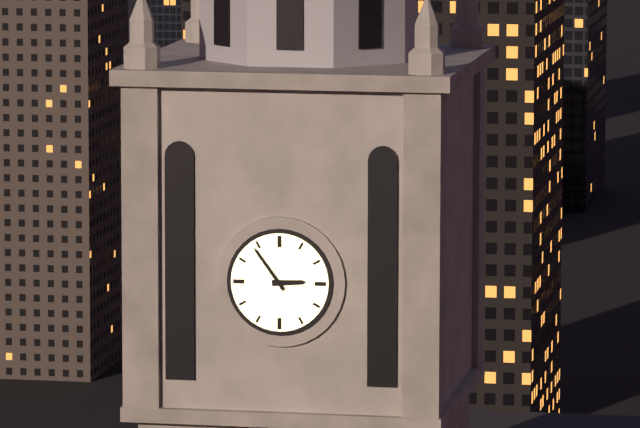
2:54
